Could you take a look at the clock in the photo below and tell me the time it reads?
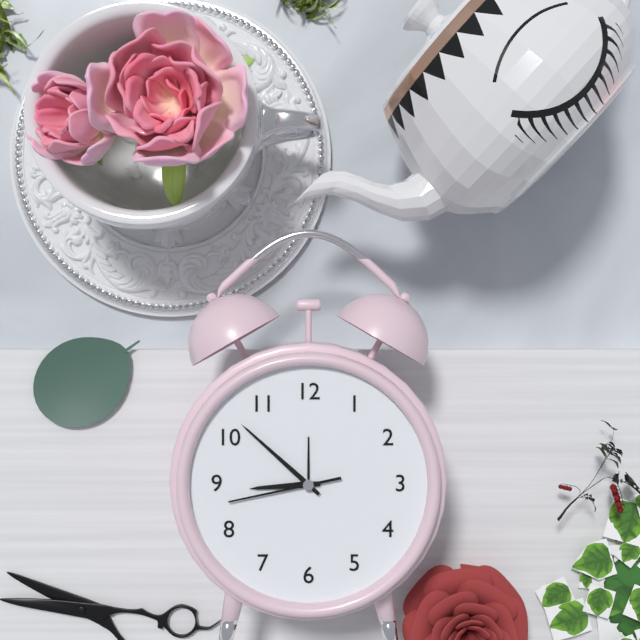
8:52:43
